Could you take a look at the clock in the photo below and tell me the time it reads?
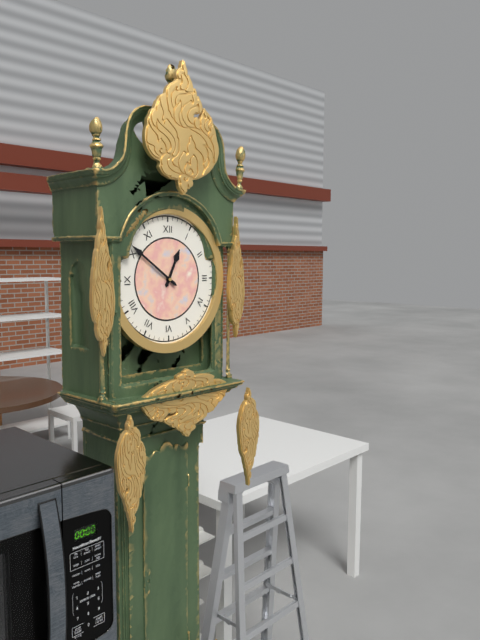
12:51
